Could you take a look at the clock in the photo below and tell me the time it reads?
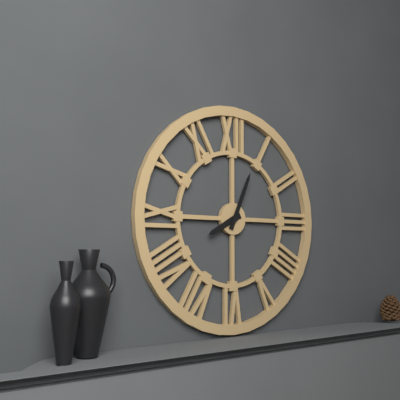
8:04
